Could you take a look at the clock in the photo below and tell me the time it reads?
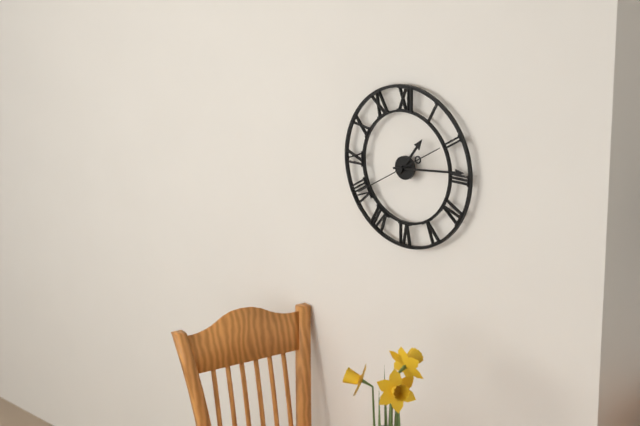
1:14:40
